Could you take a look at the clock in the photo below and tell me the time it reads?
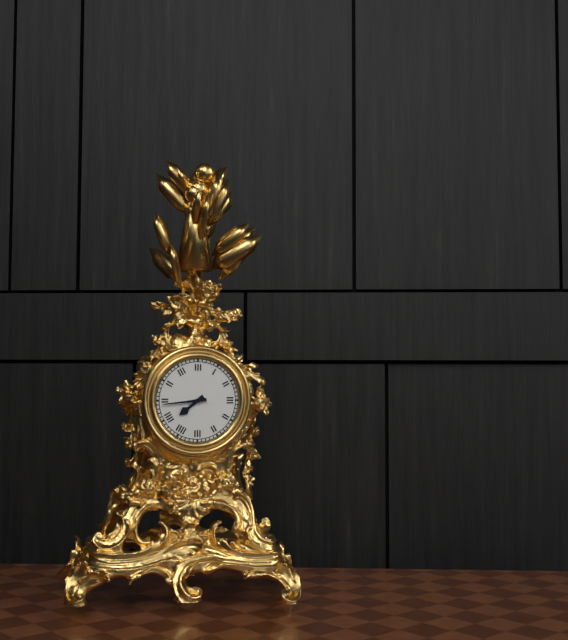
7:44
